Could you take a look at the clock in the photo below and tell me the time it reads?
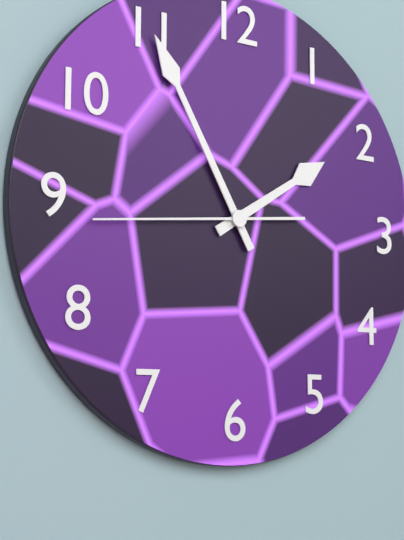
1:55:44
